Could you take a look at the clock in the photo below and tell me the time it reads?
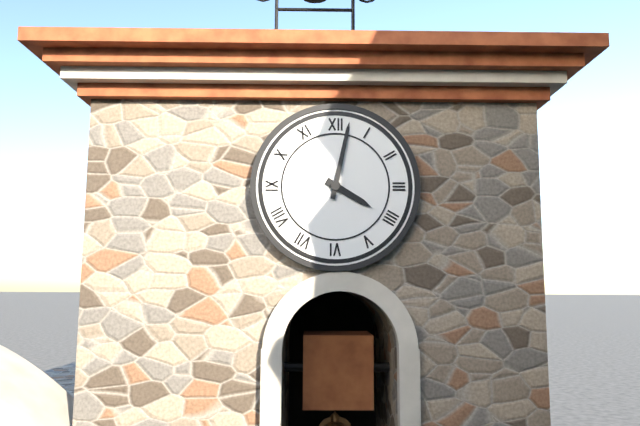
4:02
